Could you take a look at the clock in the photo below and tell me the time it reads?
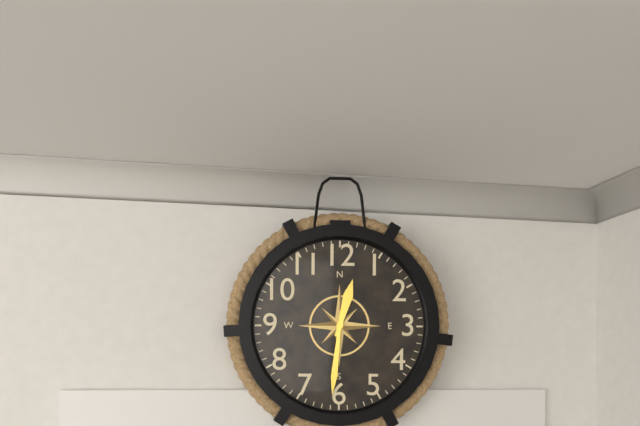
12:31
